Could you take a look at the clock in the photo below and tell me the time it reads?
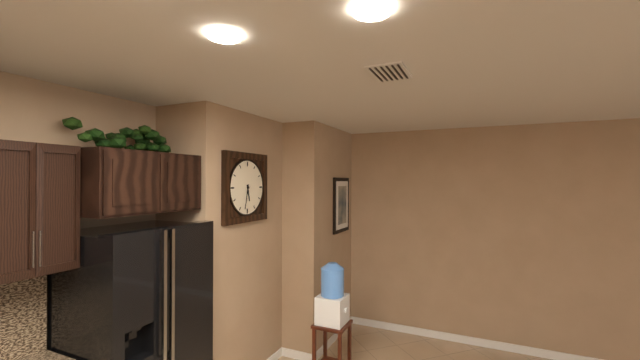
5:32
